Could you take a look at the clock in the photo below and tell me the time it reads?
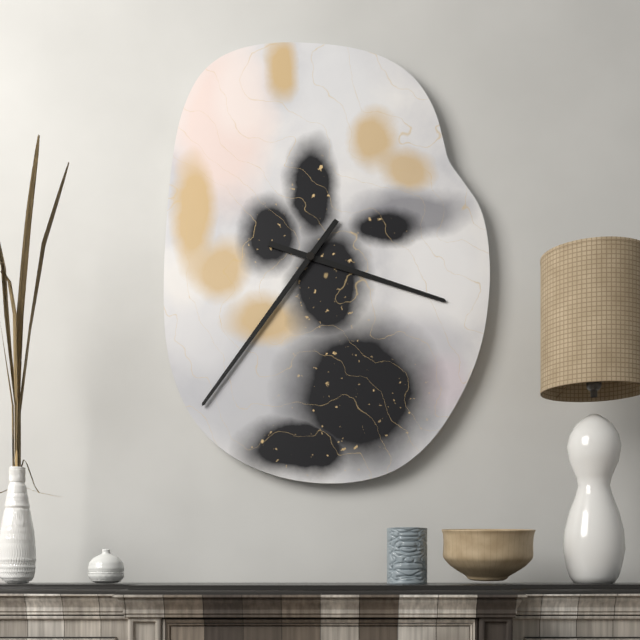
3:36
